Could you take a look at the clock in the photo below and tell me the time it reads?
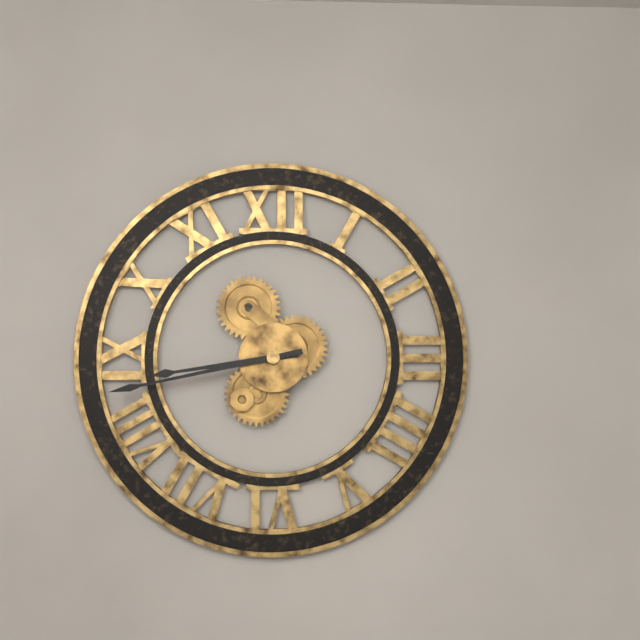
8:43
